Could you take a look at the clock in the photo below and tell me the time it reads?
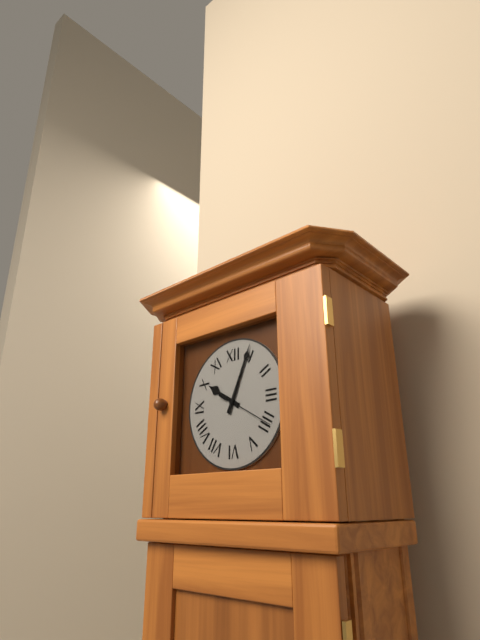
10:04:20
